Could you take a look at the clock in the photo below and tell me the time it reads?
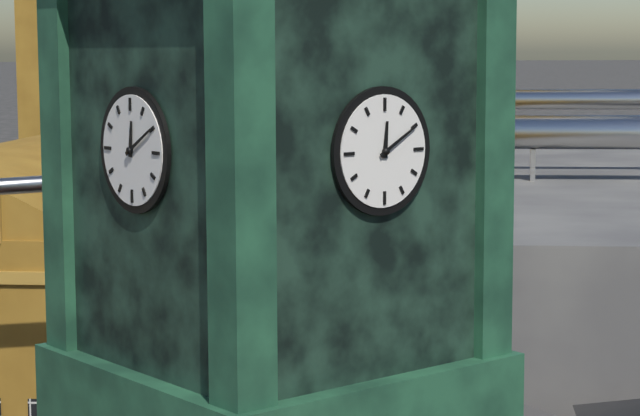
12:10
